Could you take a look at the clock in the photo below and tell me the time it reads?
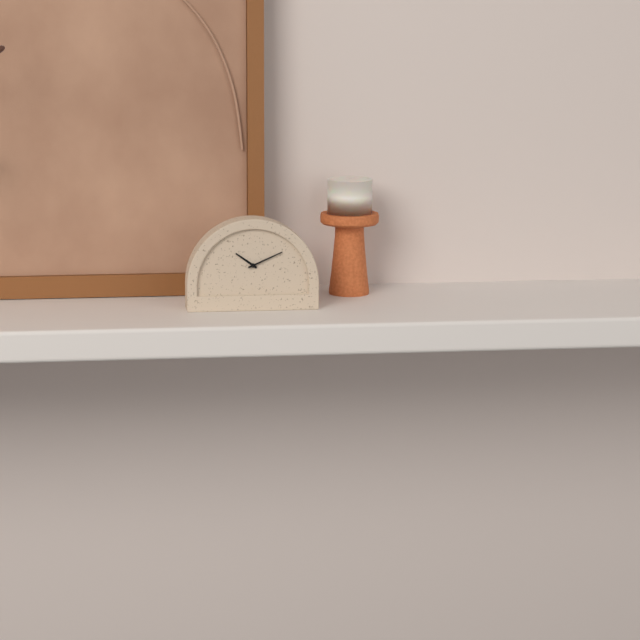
10:11
